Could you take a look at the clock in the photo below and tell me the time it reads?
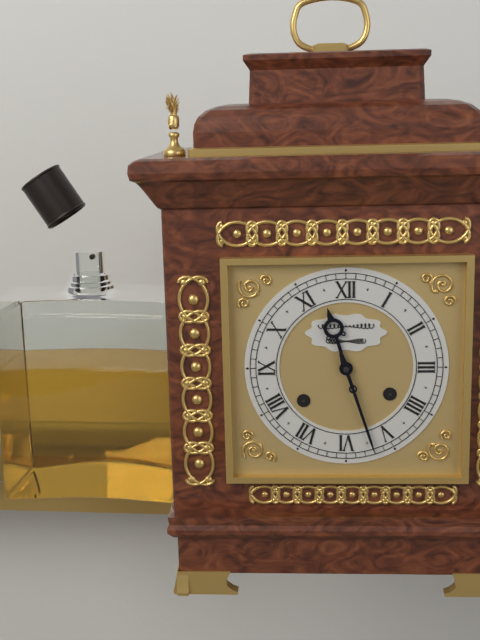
11:27
